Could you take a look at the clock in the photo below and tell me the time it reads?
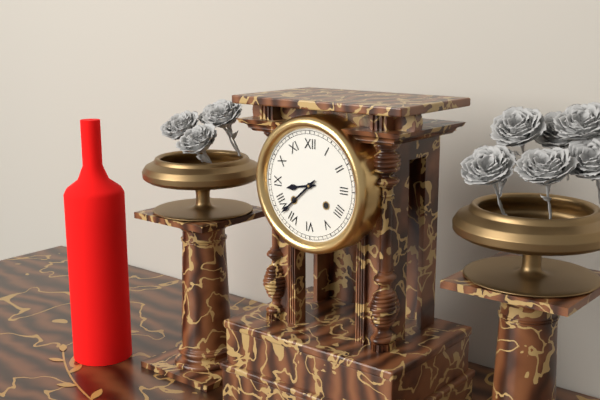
8:38
